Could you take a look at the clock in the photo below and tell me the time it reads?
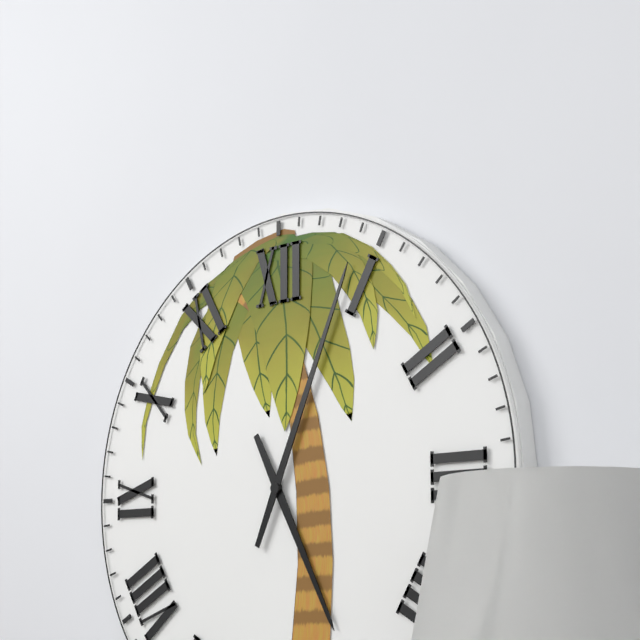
5:04
